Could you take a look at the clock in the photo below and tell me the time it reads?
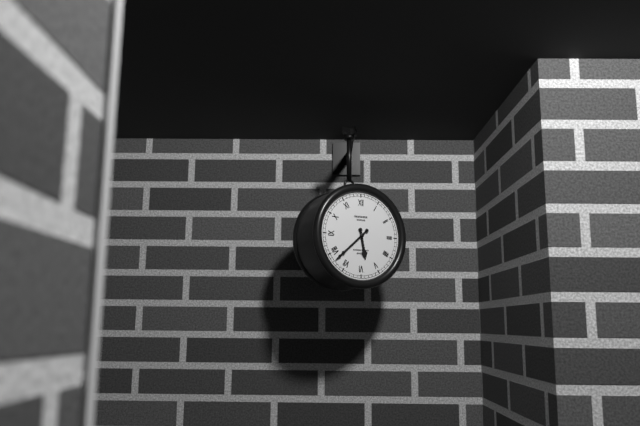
5:38
